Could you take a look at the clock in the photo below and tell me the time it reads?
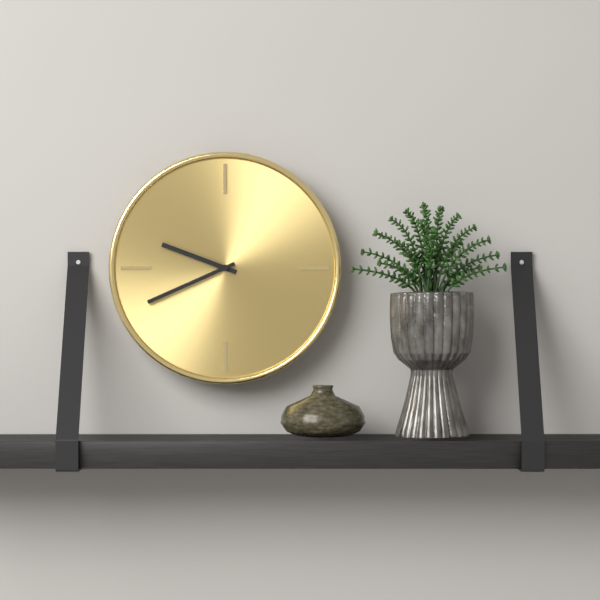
9:41
